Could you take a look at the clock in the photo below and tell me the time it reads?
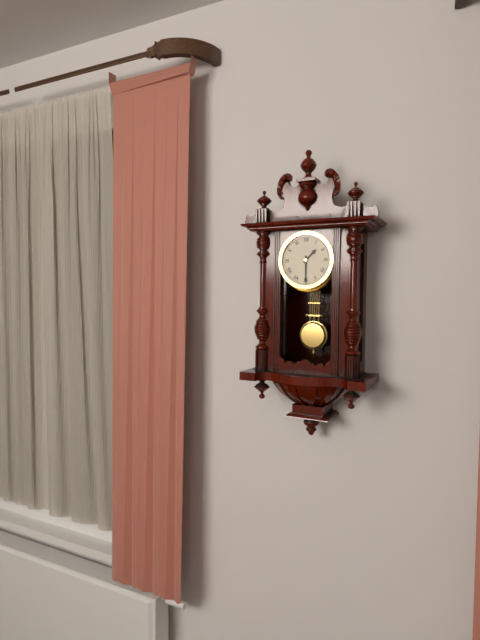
1:30
